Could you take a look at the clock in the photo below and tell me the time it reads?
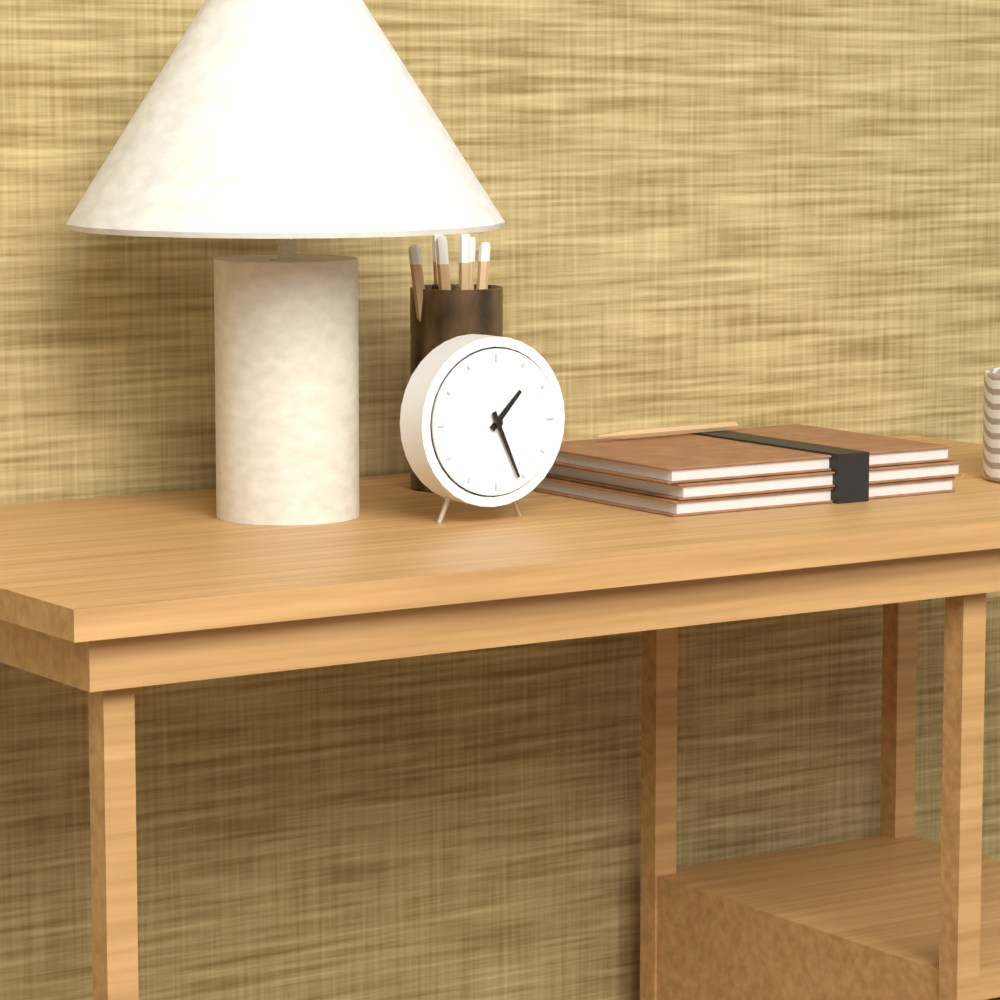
1:26
